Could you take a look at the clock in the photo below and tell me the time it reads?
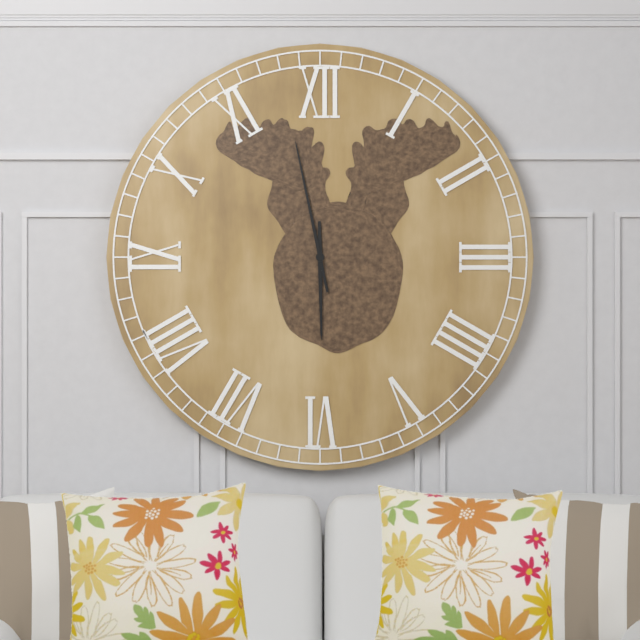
5:58
